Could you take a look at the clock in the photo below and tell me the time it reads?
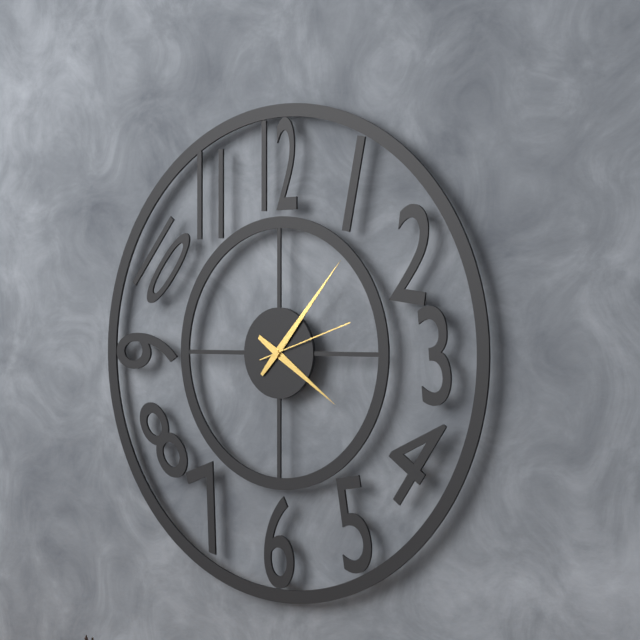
4:07:12
